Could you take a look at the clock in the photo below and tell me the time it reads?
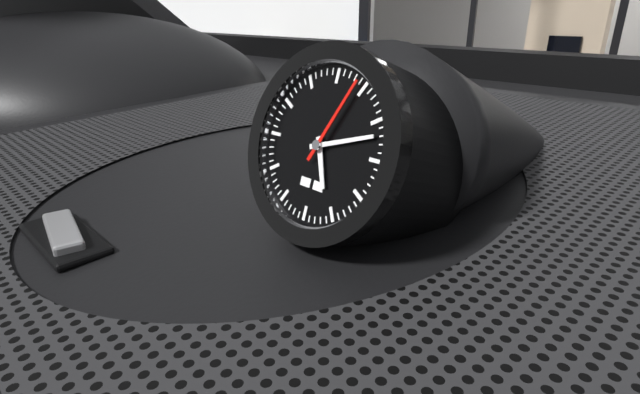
5:12:04
